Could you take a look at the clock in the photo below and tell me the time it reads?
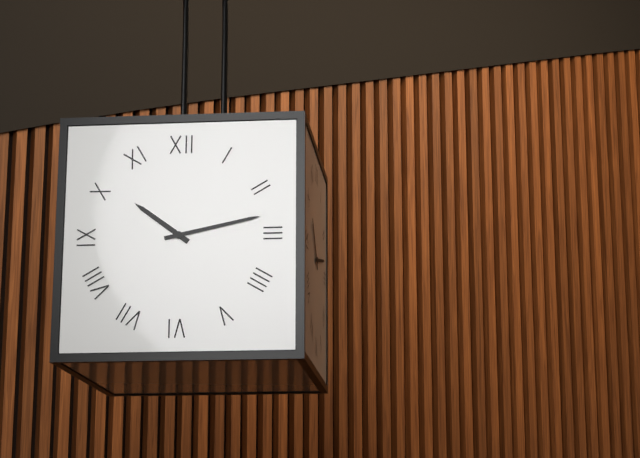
10:13
